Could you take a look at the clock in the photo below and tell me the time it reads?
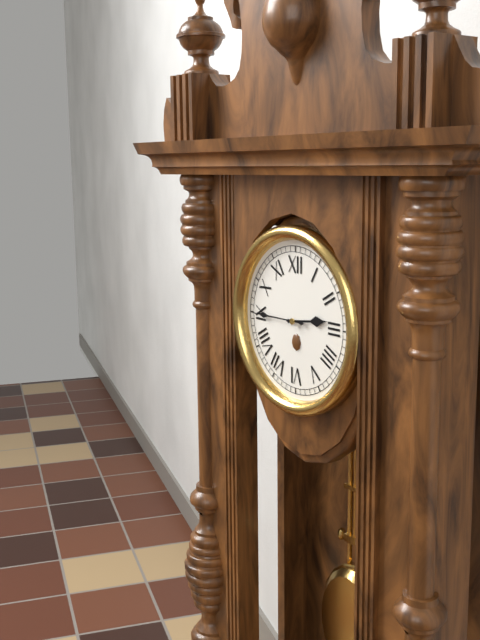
2:45
